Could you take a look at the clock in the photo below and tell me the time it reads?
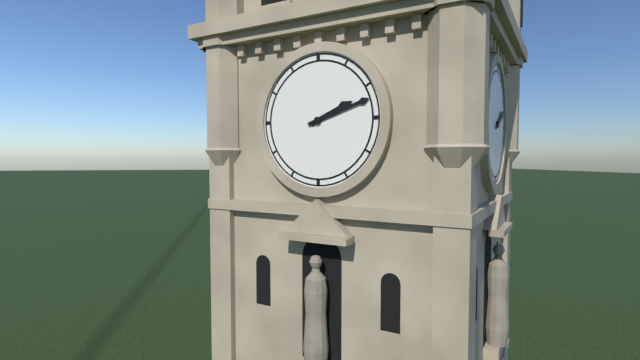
2:12
